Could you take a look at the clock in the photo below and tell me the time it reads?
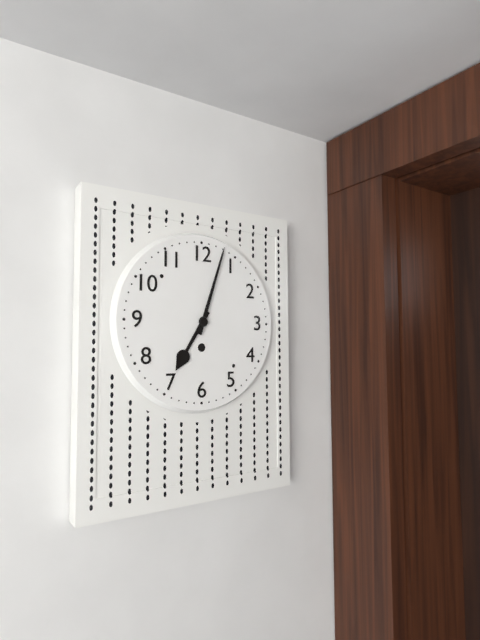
7:03
